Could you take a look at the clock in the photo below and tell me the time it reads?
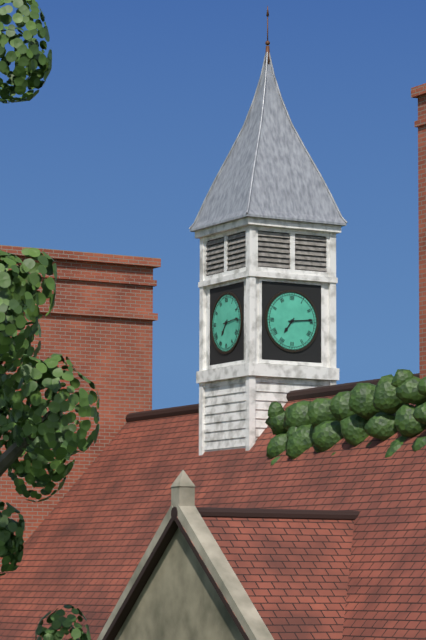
7:14
